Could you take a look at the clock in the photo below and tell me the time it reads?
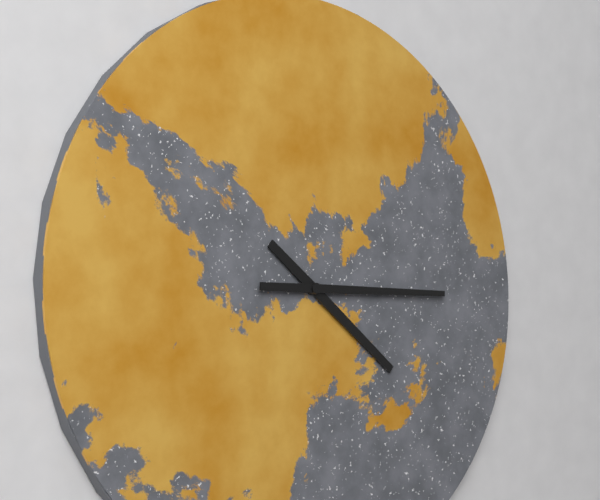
4:15
